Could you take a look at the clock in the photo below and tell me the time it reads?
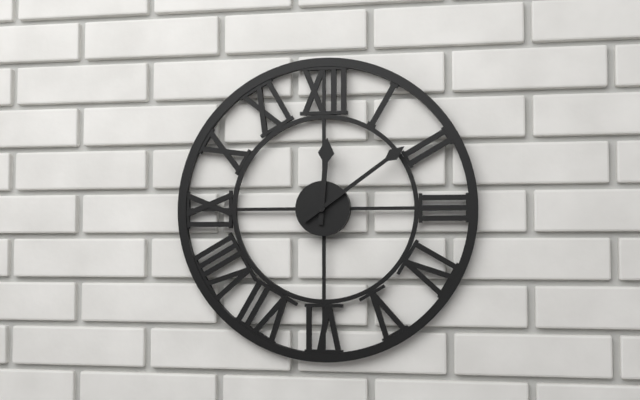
12:09
